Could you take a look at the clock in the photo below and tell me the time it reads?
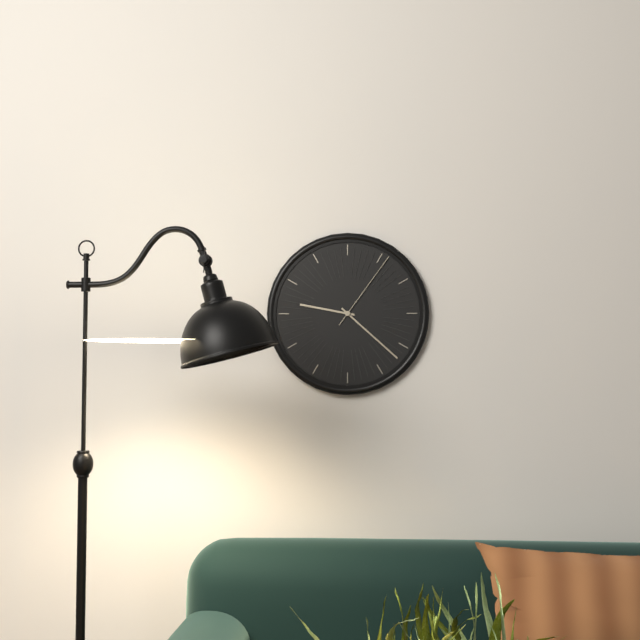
9:22:06
